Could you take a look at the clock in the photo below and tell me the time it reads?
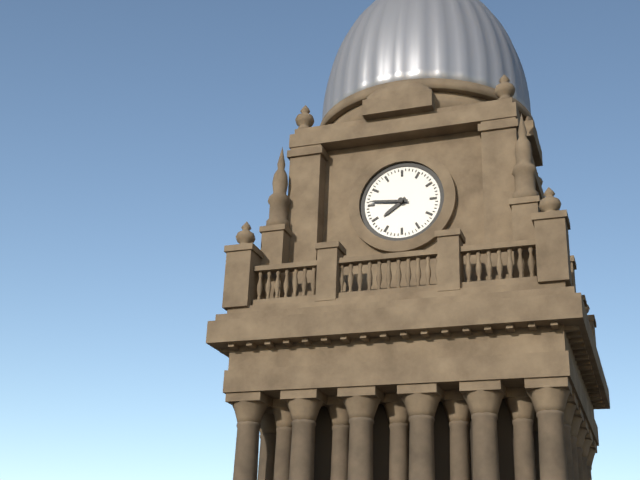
7:46
